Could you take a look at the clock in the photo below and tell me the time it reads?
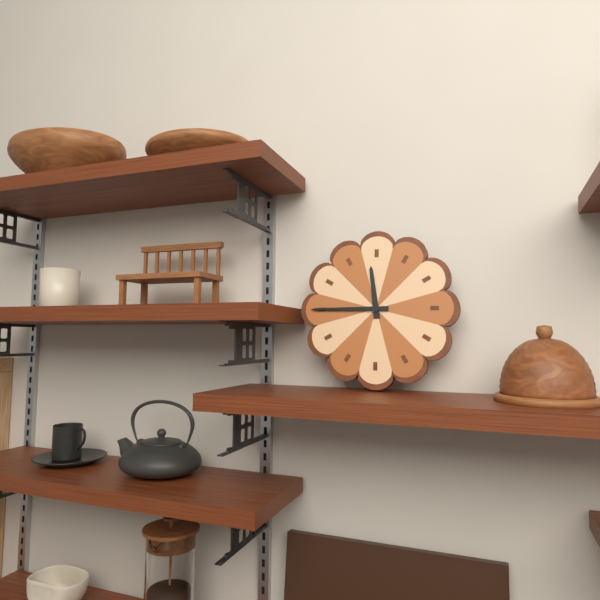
11:45
